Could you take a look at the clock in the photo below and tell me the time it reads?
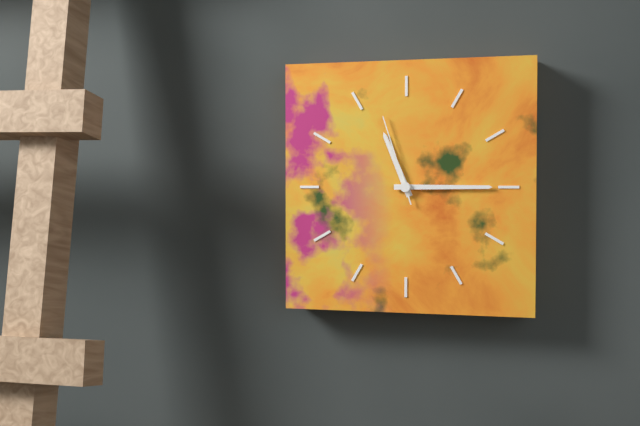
11:15:57
